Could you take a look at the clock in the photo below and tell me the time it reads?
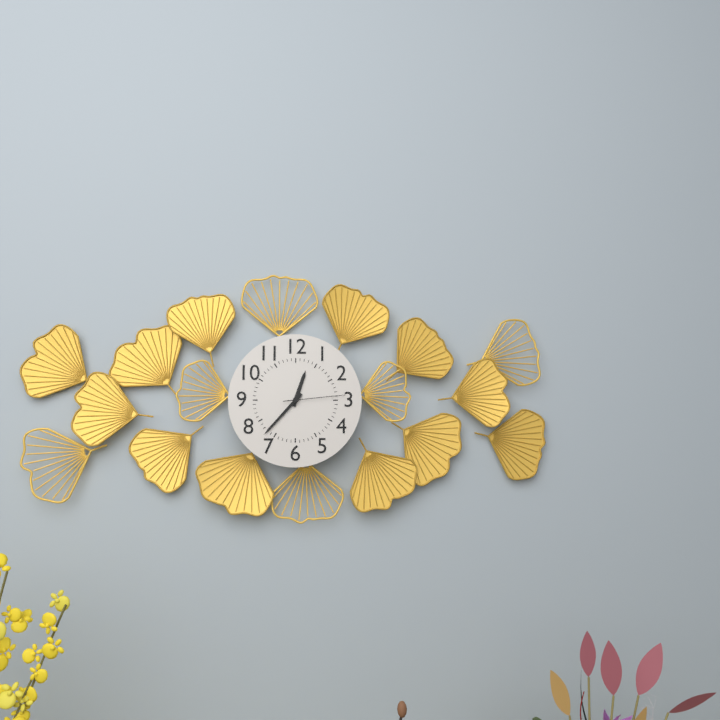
12:37:14
